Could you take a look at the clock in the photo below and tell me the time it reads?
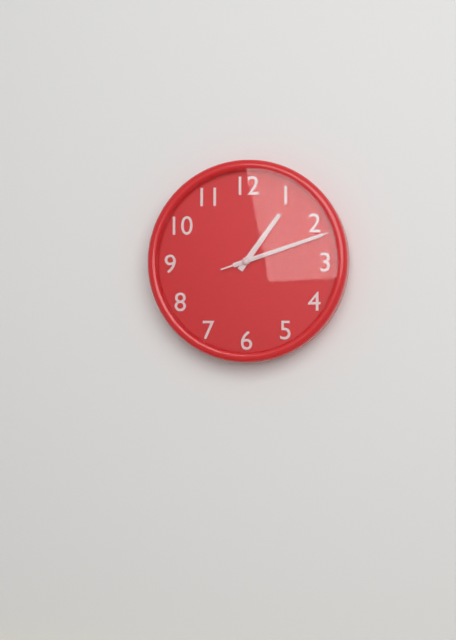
1:12:12
